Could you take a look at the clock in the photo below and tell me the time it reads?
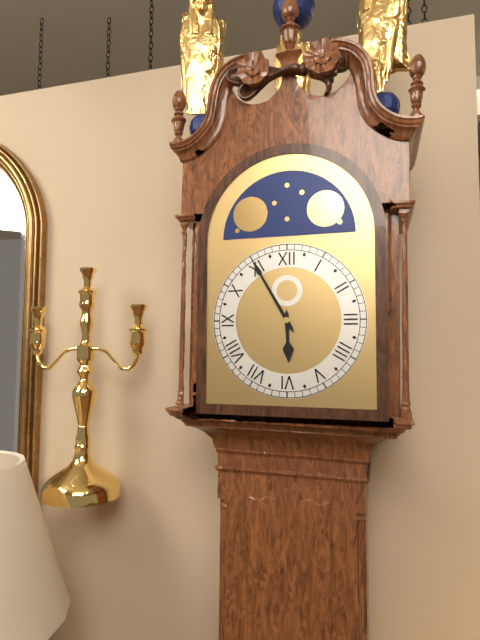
5:55
